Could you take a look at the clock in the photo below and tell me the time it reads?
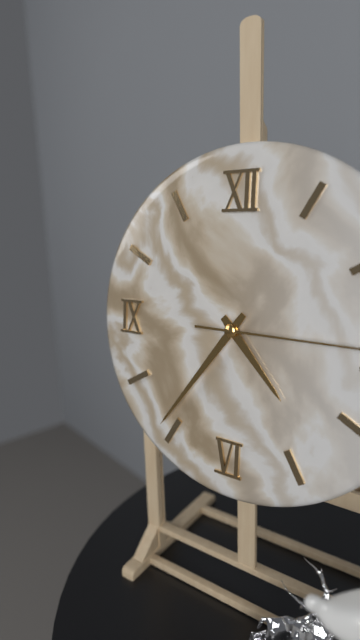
4:36
